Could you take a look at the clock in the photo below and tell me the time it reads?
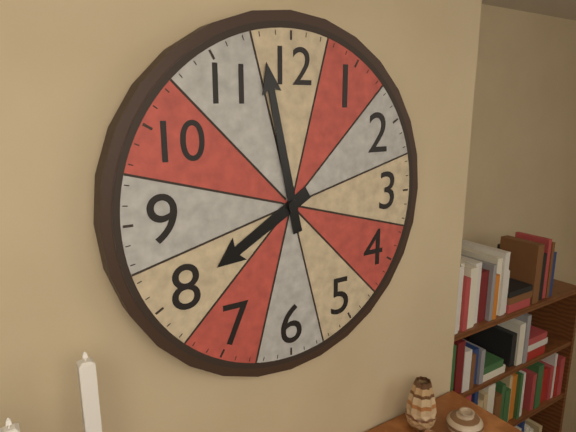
7:58
